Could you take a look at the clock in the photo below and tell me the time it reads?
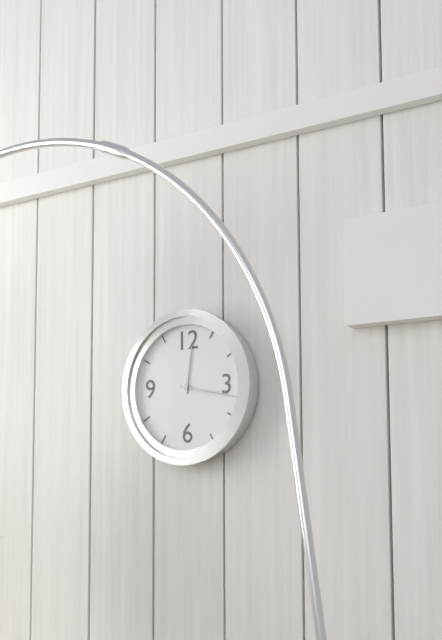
12:17
